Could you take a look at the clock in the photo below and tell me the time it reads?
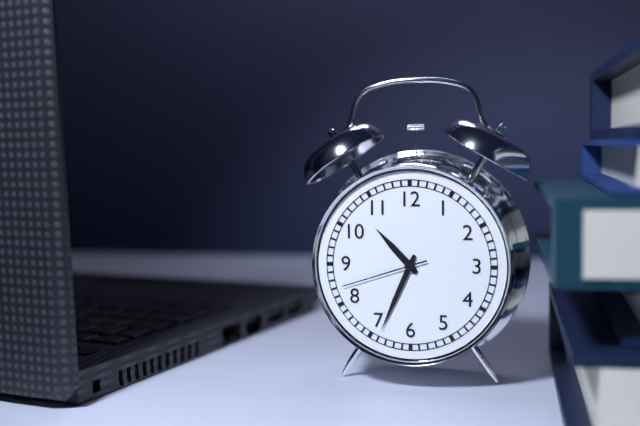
10:34:42
